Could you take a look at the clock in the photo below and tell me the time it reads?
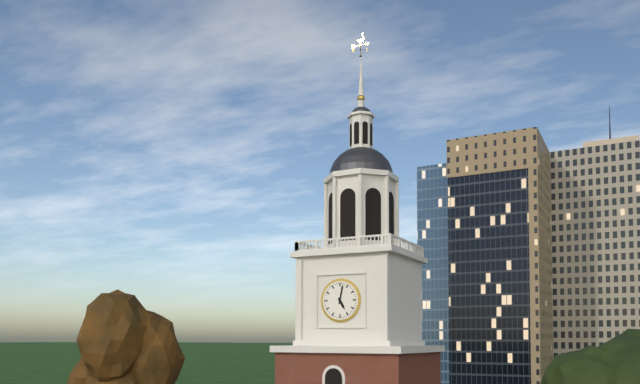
5:02
